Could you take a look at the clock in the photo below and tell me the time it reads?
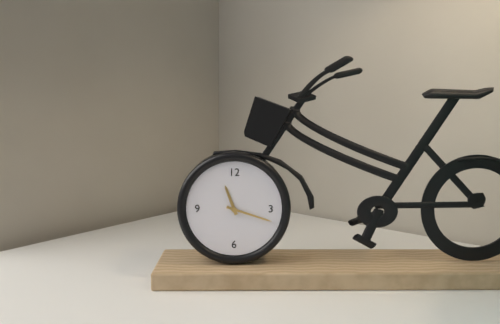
11:18
